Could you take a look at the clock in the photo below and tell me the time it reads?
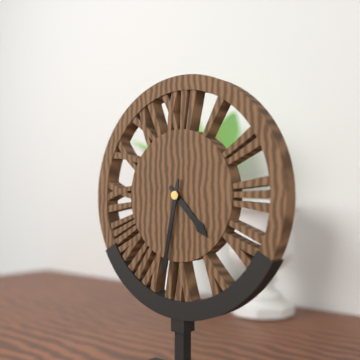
4:32
